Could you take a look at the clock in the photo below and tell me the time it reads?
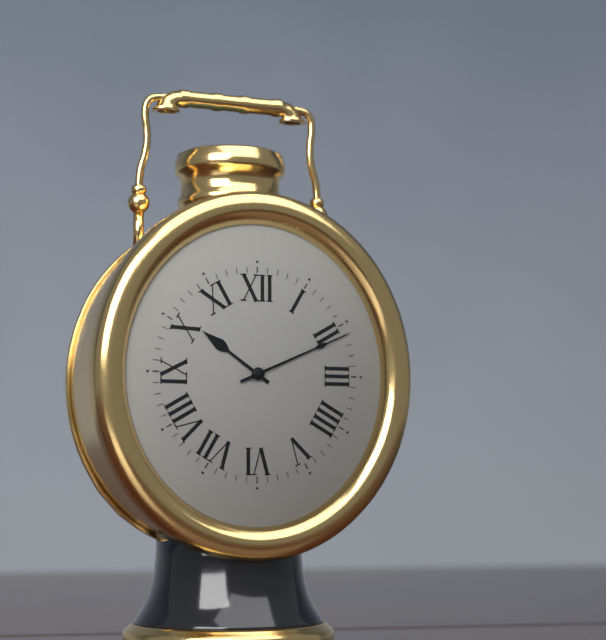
10:11
